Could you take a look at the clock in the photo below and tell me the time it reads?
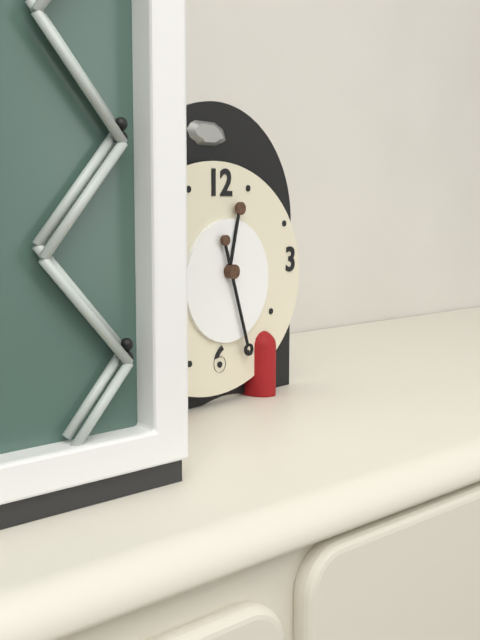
12:27
